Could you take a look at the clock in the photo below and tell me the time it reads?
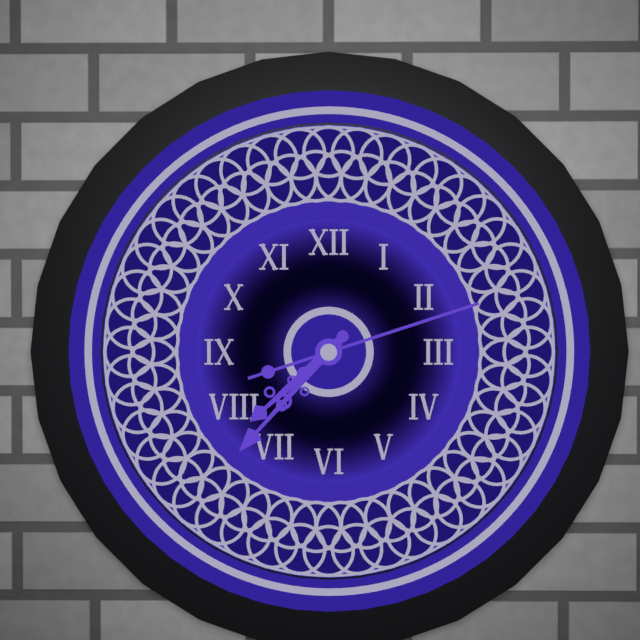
7:37:12
